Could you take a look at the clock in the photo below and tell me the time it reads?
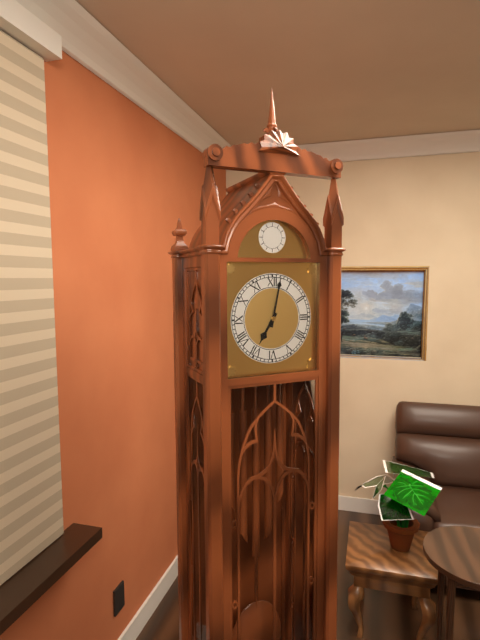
7:02
